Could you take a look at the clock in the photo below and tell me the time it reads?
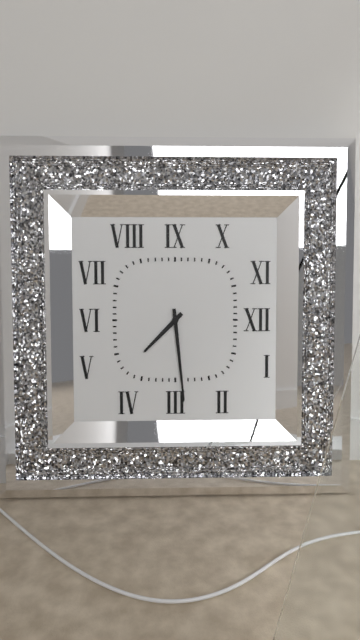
7:29
